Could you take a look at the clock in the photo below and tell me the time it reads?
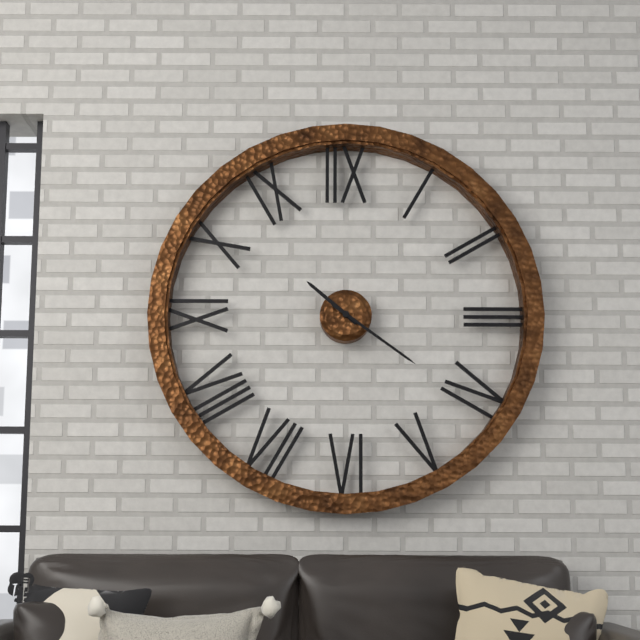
10:21
